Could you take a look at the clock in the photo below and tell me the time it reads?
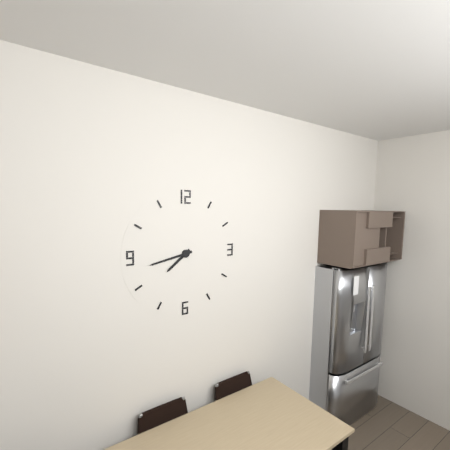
7:43
